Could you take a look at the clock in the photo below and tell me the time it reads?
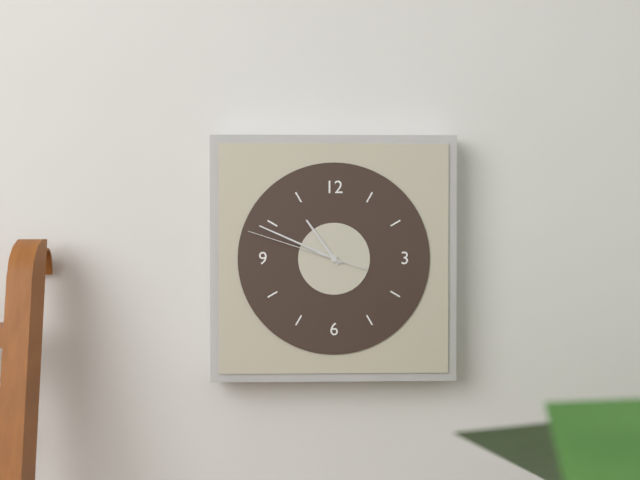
10:49:48
